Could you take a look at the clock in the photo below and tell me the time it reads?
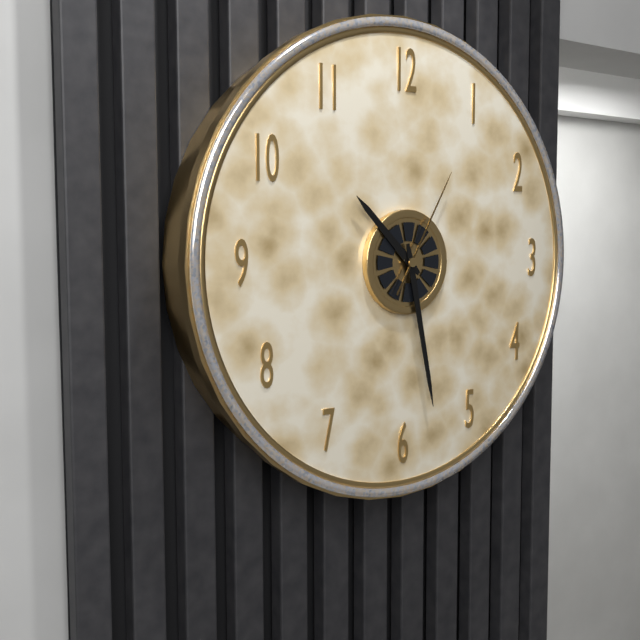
10:28:05
